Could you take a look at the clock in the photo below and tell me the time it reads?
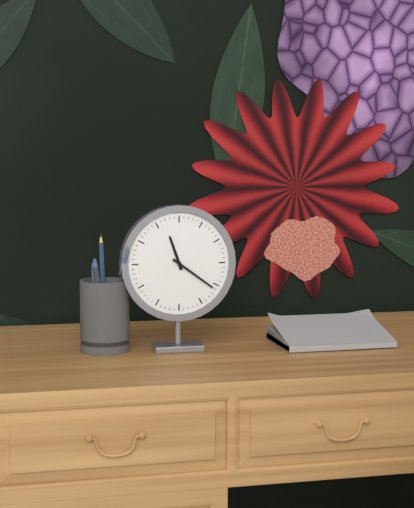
11:21
